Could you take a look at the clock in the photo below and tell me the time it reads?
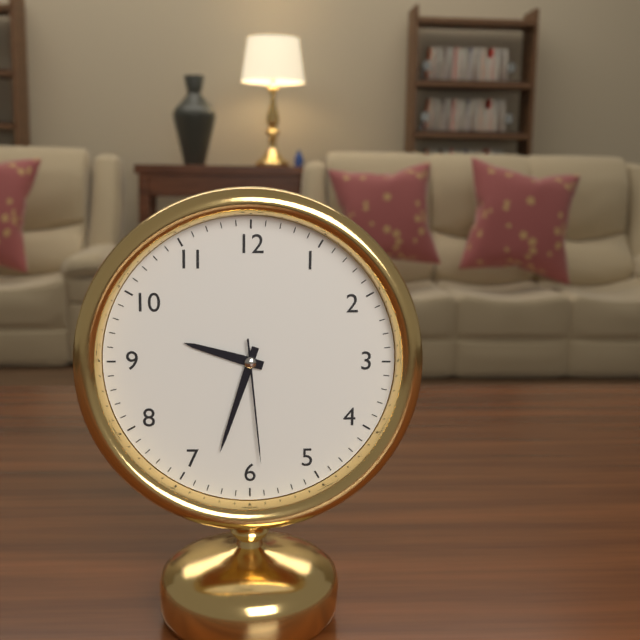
9:33:29
